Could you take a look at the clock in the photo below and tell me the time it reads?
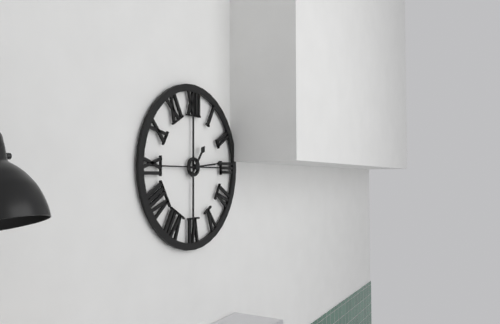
1:14
